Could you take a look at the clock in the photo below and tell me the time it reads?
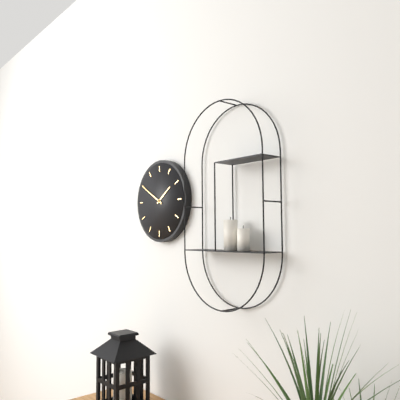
1:50
